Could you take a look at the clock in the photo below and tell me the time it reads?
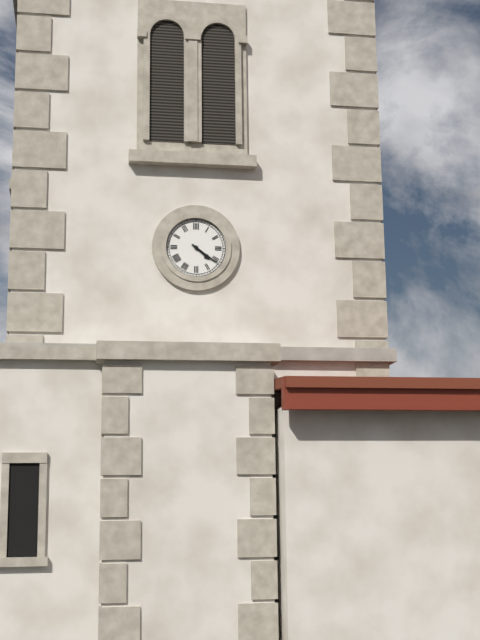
4:21
